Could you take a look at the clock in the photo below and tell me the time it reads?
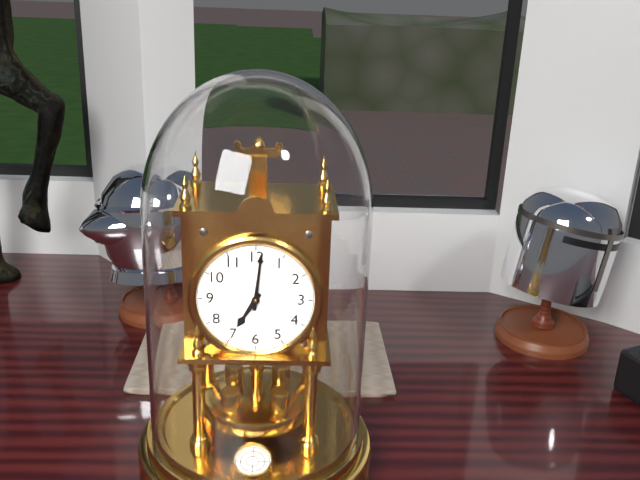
7:01
